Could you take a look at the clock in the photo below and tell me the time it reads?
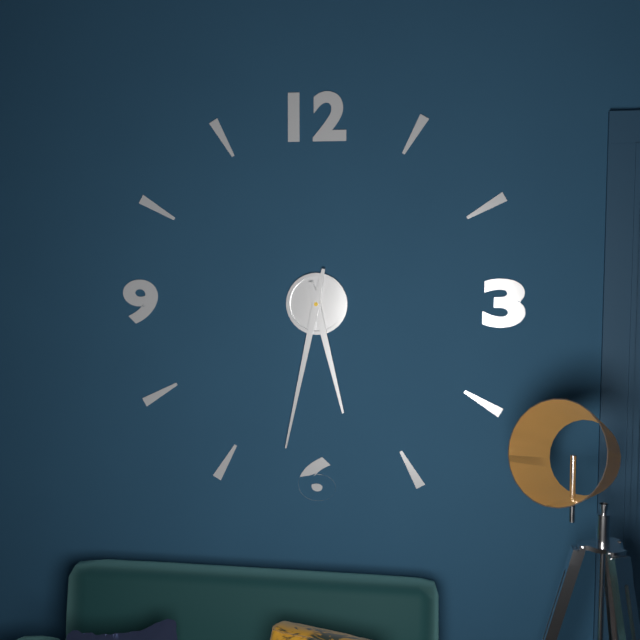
5:32
